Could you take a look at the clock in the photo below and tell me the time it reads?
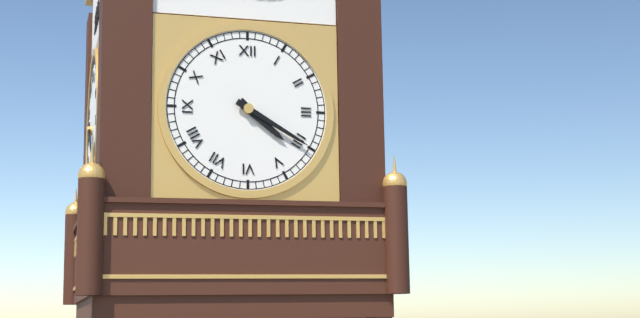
4:20
